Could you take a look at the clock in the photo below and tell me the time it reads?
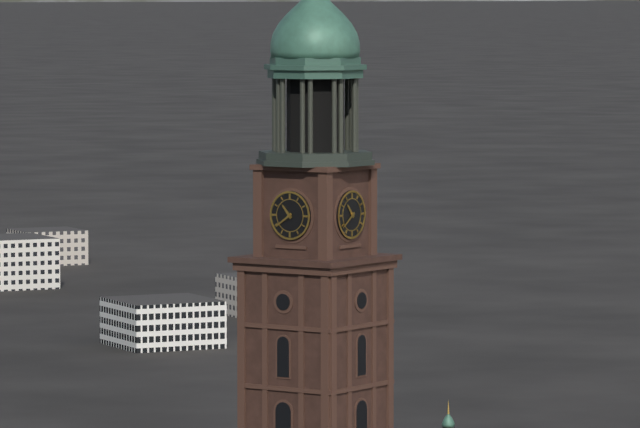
10:39
